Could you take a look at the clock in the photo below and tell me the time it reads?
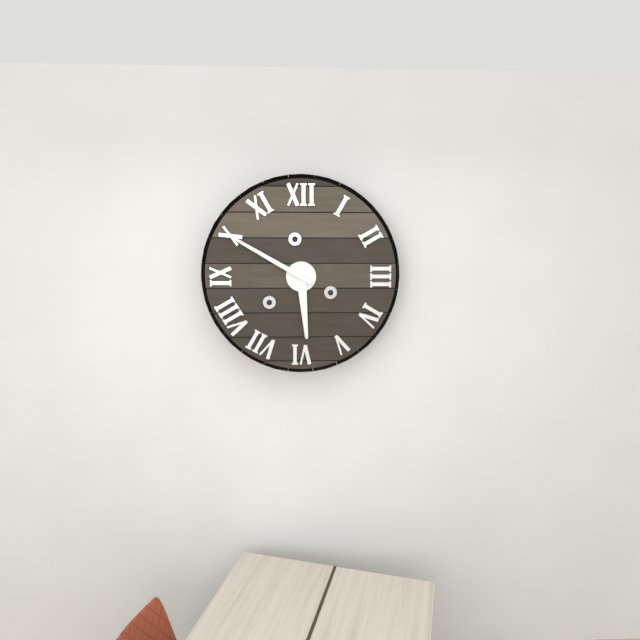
5:50
